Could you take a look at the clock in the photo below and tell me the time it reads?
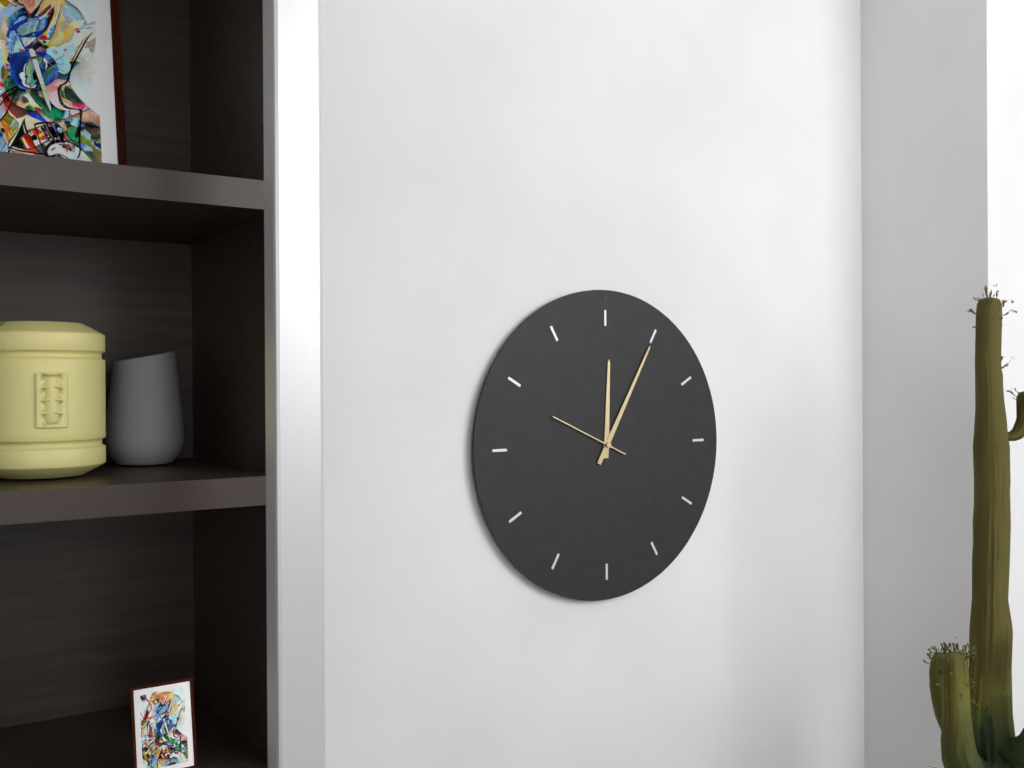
12:05:49
